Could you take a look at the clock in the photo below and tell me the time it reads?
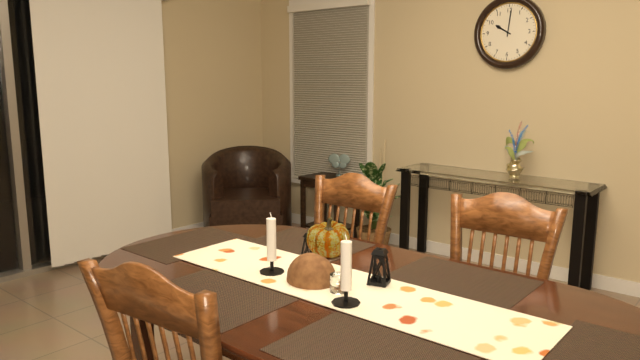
10:01
